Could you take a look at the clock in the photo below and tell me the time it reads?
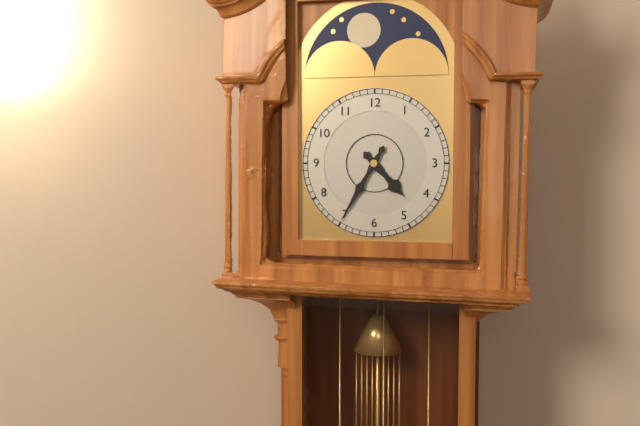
4:35
